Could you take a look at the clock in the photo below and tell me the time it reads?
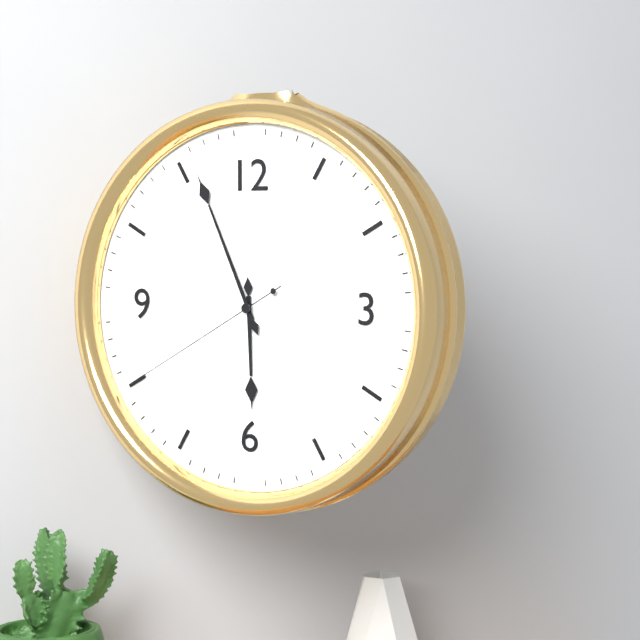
5:56:40
